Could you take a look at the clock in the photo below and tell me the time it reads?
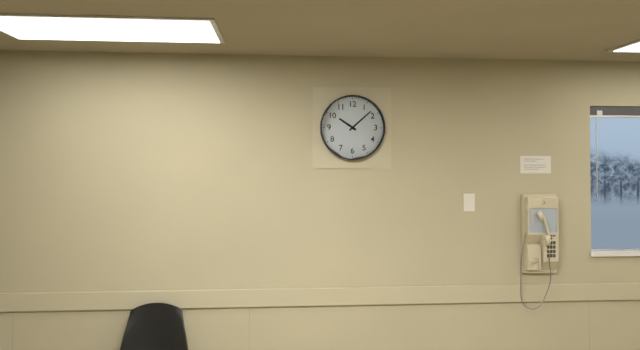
10:08
